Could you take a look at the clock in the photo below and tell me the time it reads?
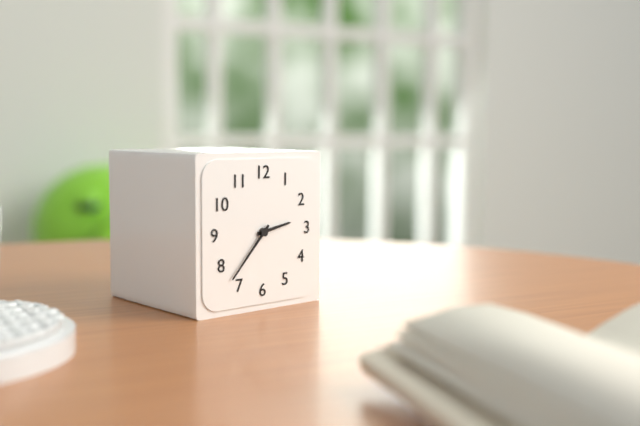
2:37
